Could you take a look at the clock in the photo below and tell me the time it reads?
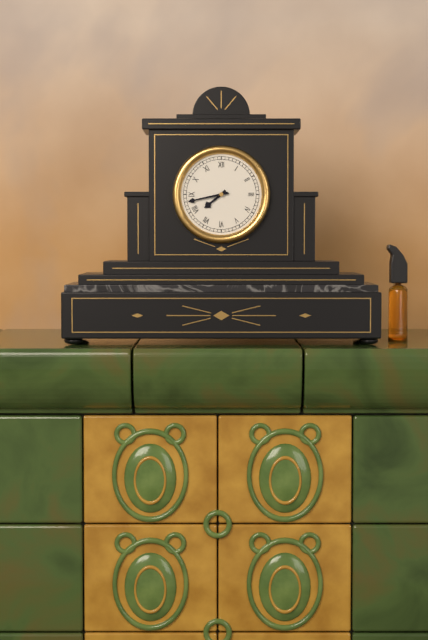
7:43
